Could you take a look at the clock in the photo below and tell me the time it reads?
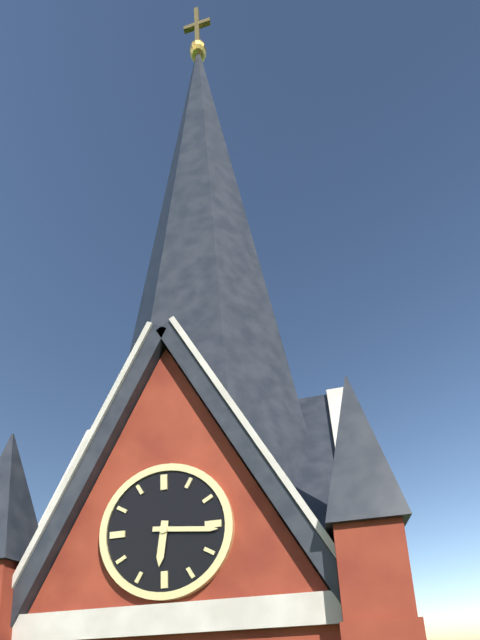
6:16
